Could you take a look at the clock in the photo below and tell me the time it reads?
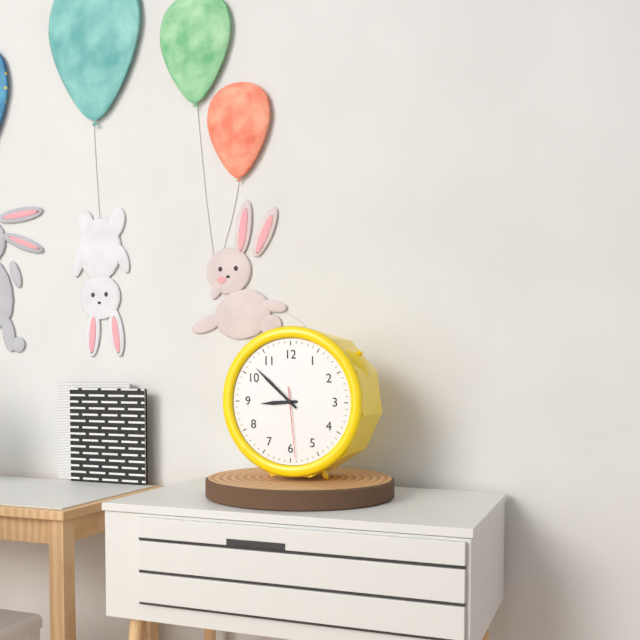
8:52:29
